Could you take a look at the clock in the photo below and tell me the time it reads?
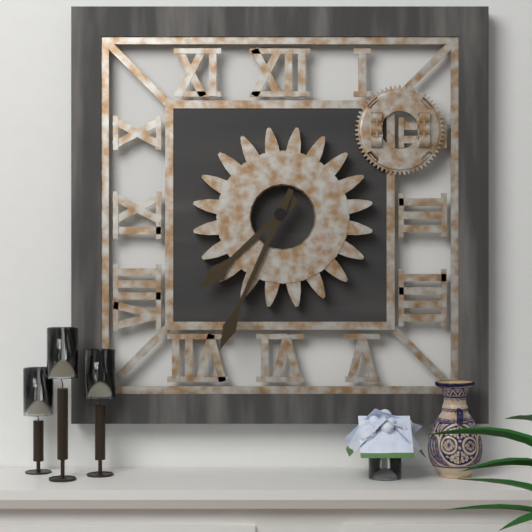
7:34
